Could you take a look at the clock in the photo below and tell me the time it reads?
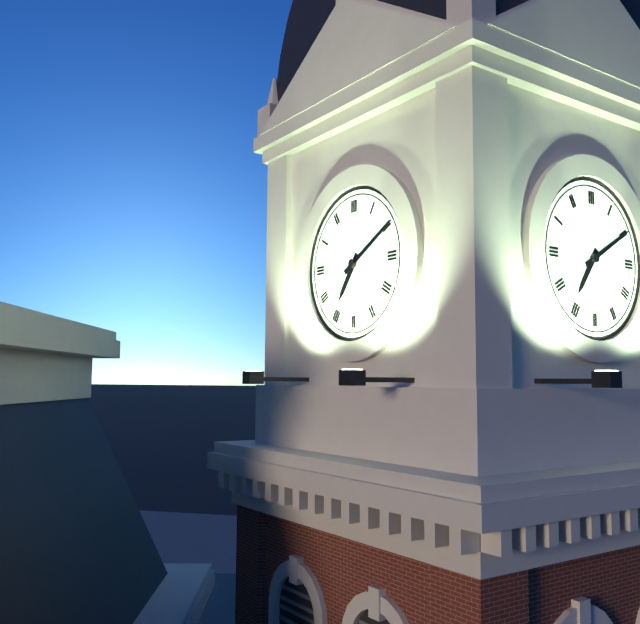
7:10
